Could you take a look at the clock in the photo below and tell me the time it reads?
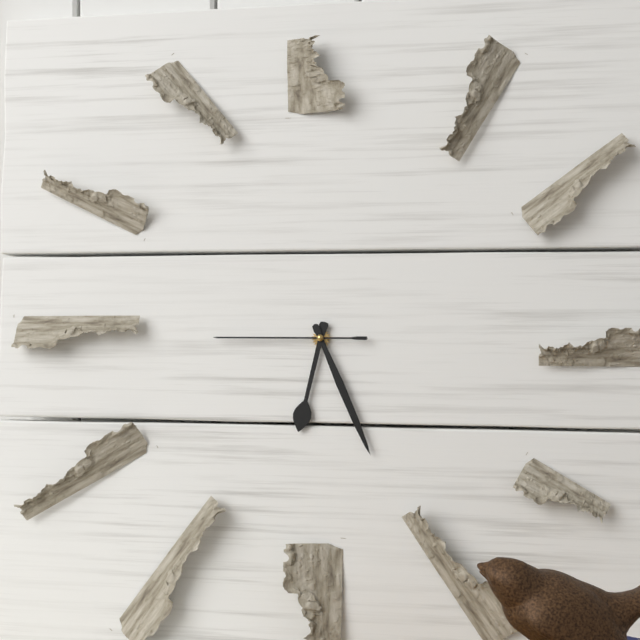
6:26:45
